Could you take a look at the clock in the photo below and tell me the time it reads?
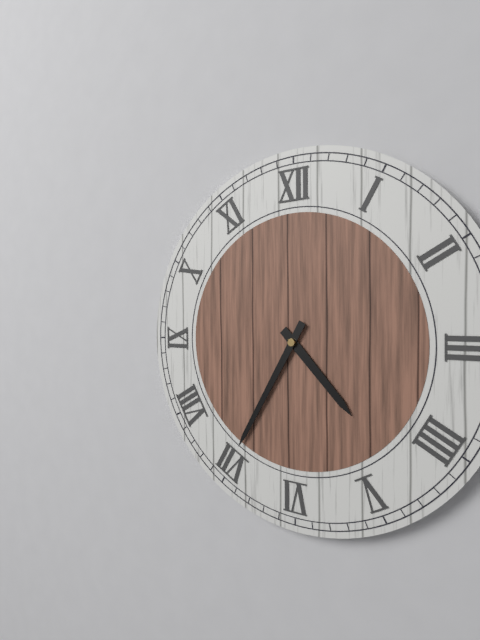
4:35
